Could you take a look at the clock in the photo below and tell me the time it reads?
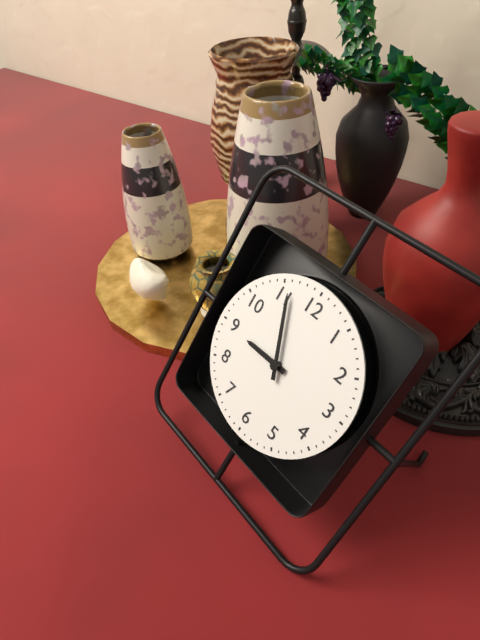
8:56
